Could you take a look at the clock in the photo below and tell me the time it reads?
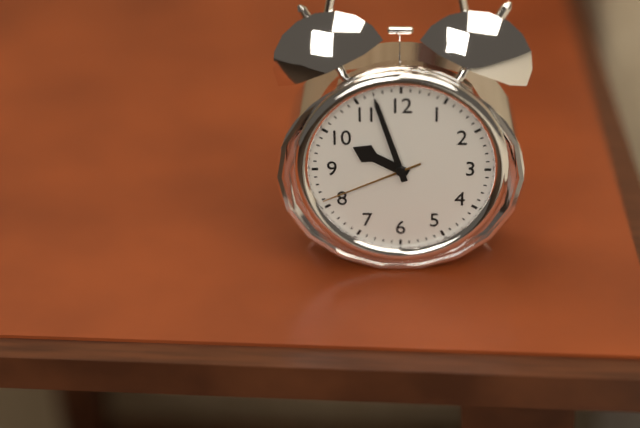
9:57:41
